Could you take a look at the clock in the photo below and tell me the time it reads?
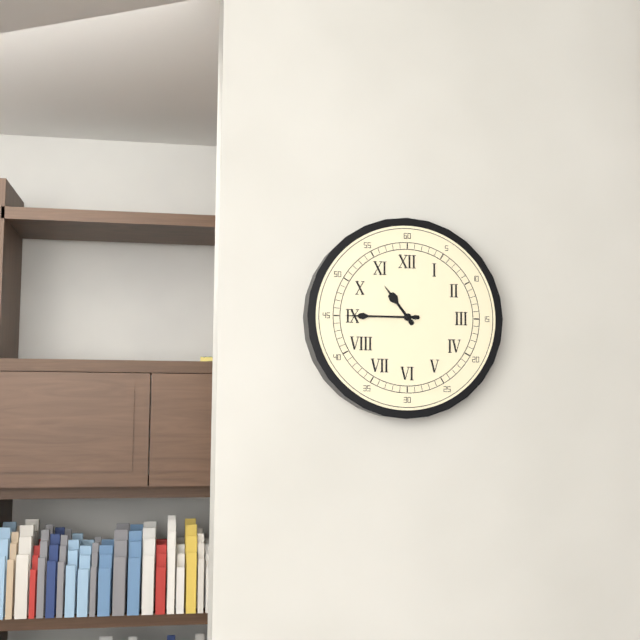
10:45
